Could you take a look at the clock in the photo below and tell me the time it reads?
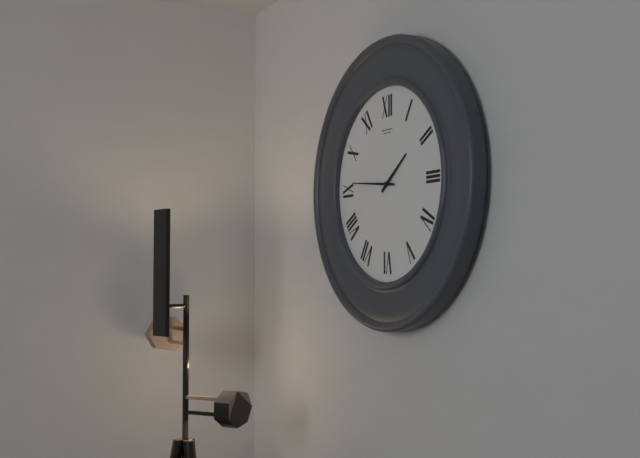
1:46
